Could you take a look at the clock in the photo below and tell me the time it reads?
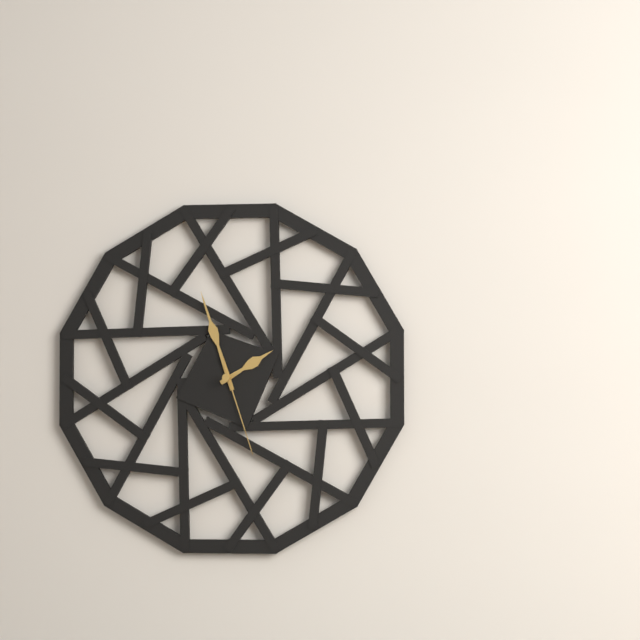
1:57:27
